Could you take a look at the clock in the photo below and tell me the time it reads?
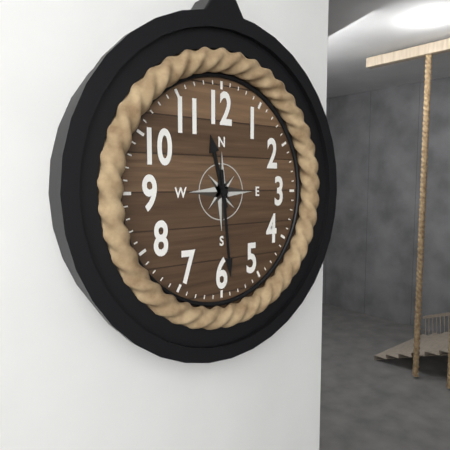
11:29
